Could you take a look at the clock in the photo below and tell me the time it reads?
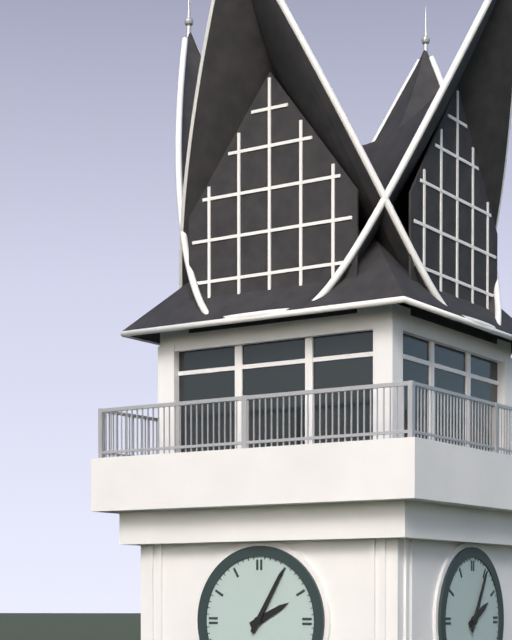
2:05
